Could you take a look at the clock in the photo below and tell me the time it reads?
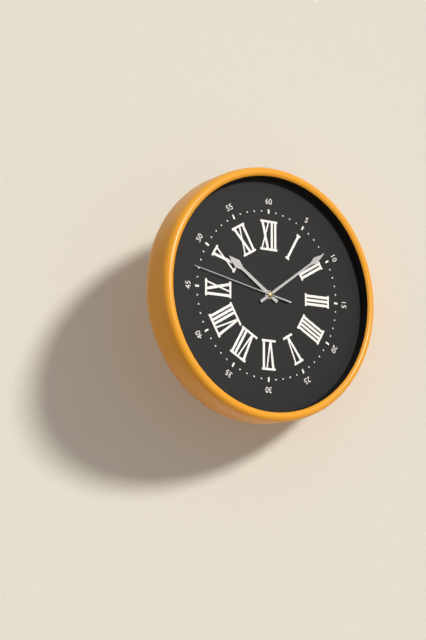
10:09:47
